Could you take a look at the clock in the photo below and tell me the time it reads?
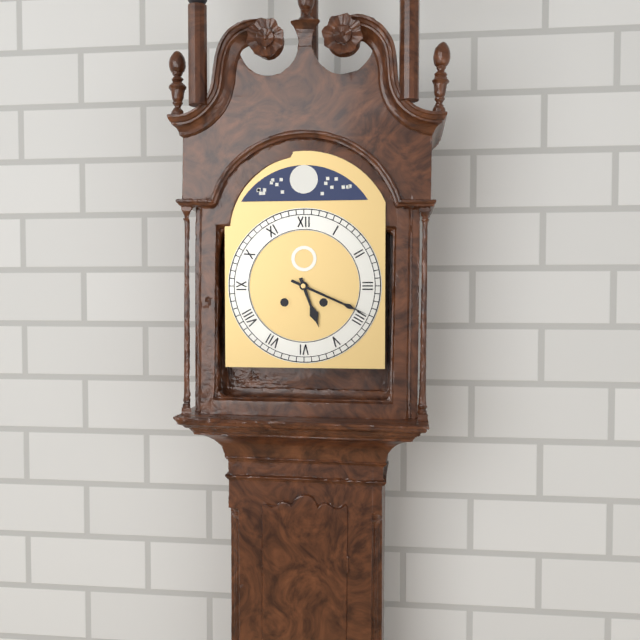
5:19
